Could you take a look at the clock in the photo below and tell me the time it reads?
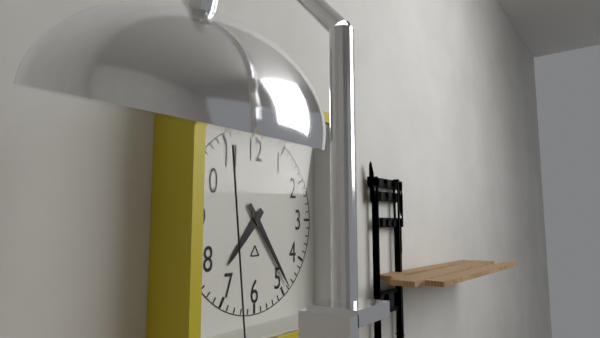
7:24
